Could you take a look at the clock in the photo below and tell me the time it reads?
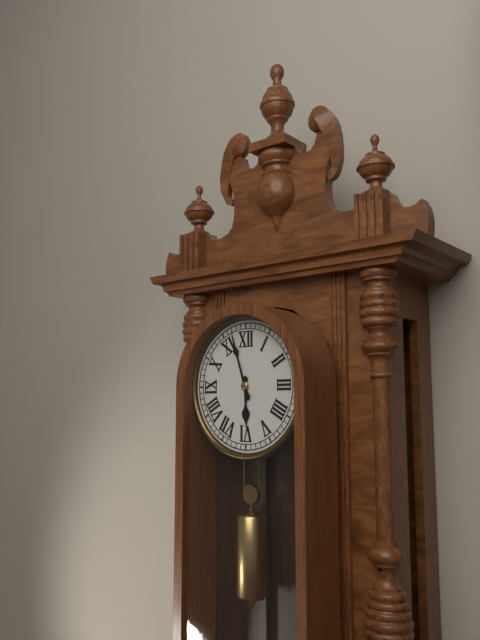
5:57
